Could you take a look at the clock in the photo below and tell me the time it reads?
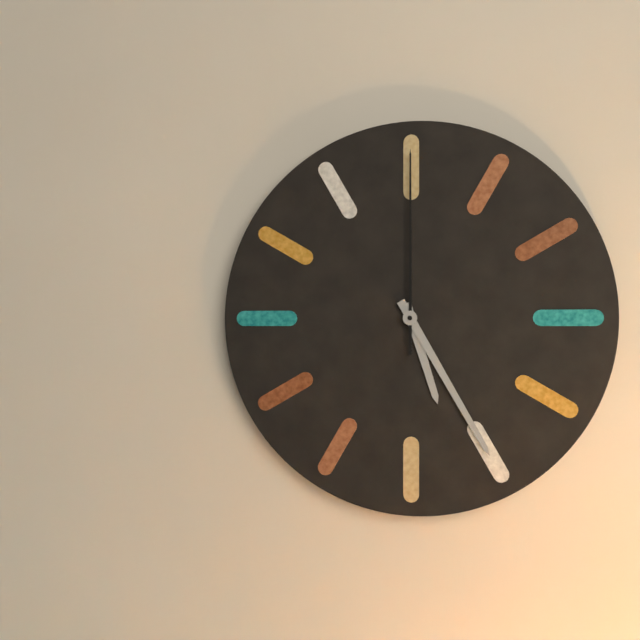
5:25:00
